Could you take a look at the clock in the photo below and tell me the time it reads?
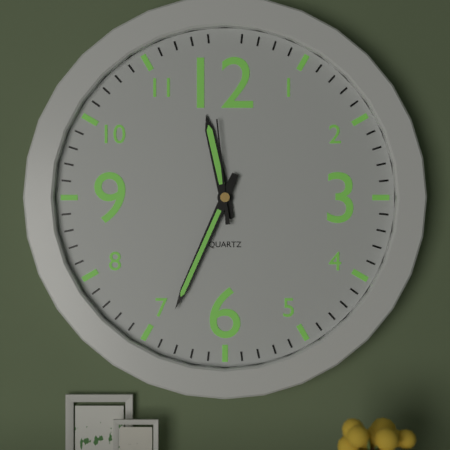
11:34:59
